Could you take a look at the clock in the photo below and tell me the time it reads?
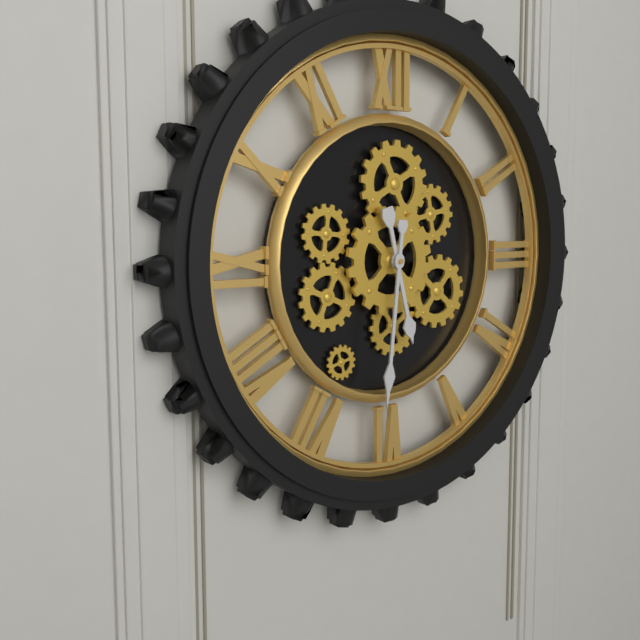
5:31
